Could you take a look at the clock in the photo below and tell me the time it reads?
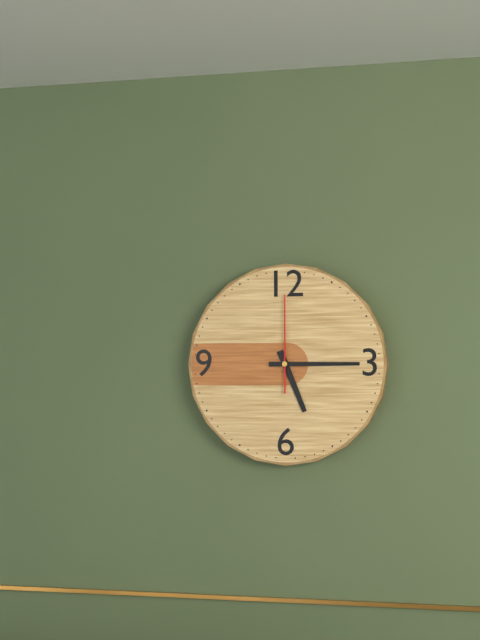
5:15:00
